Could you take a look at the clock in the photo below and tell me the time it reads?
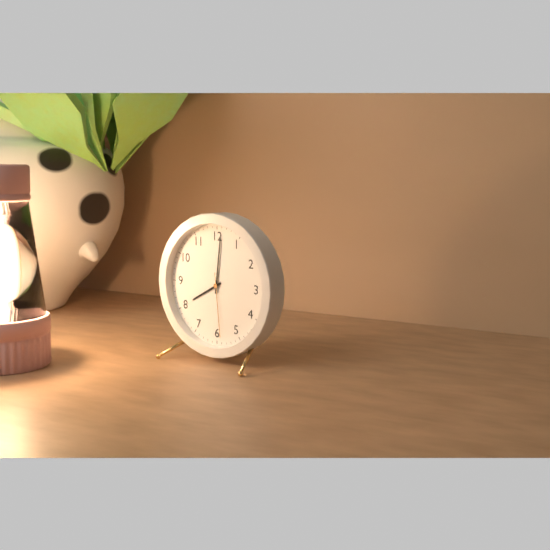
8:01:29
